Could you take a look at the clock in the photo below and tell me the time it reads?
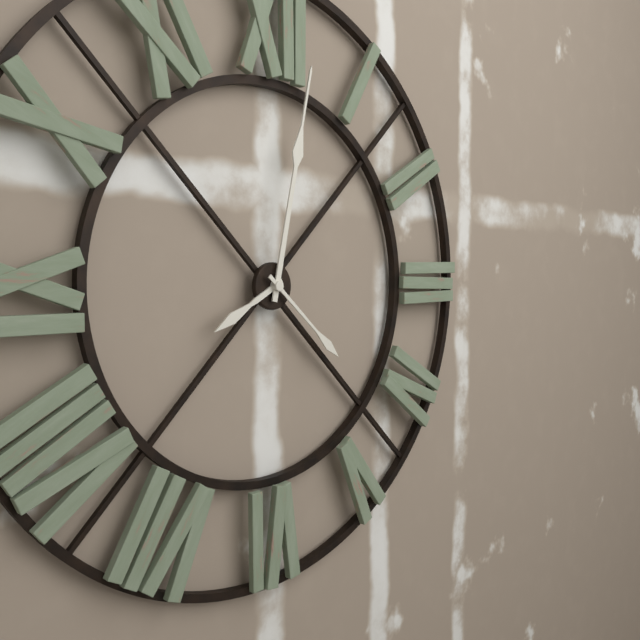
8:02:22
